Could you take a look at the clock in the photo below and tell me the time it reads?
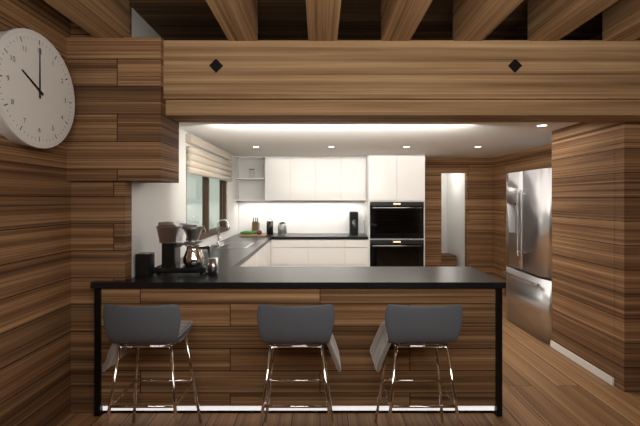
10:00
